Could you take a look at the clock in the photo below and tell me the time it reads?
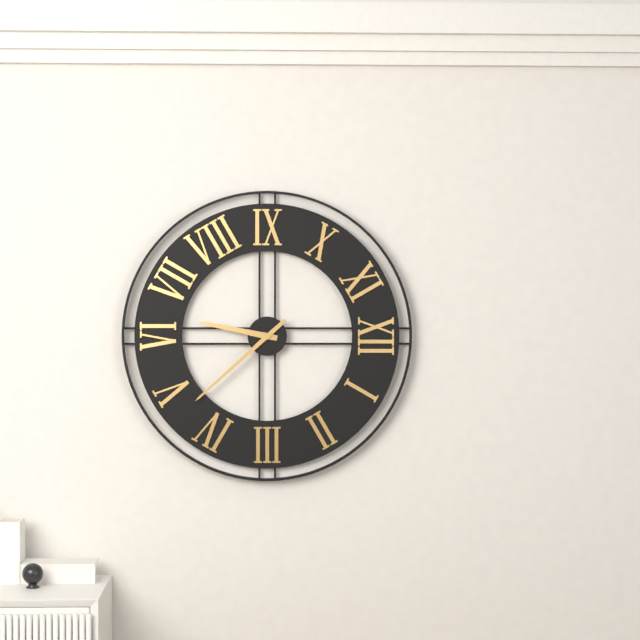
6:23
